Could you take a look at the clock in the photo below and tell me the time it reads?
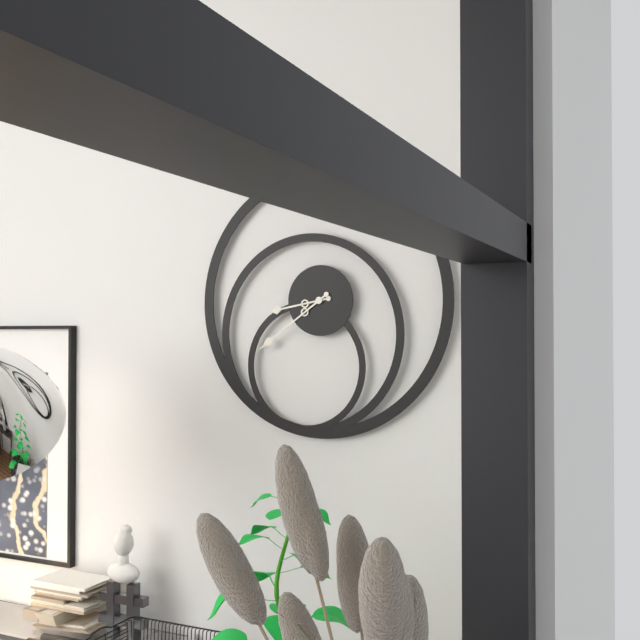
8:39
